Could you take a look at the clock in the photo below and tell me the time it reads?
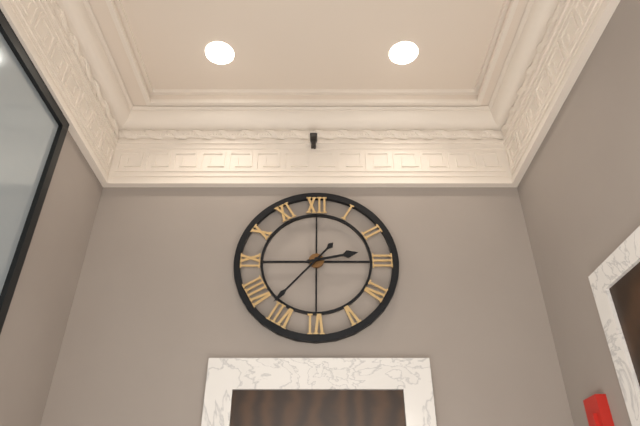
2:37
